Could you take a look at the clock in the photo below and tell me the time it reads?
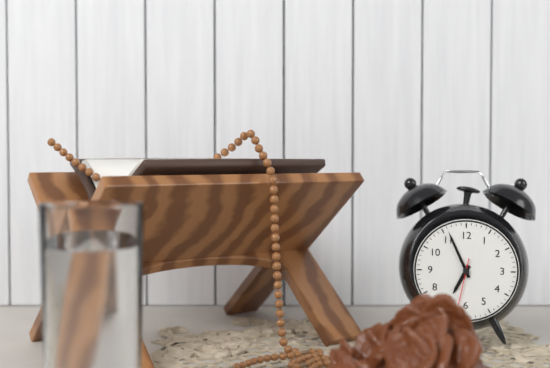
6:56:32
